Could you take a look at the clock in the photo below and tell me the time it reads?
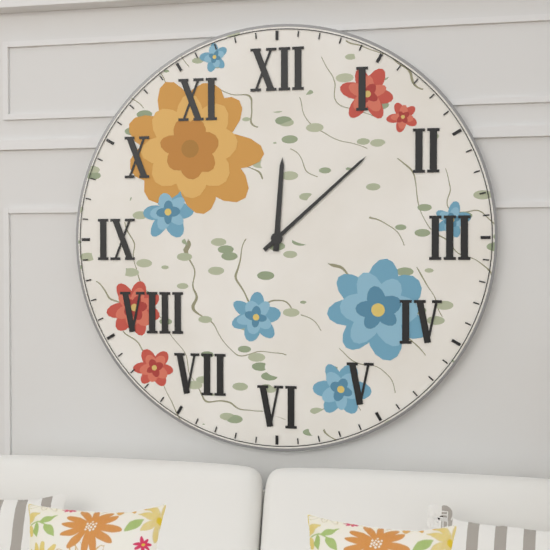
12:08
